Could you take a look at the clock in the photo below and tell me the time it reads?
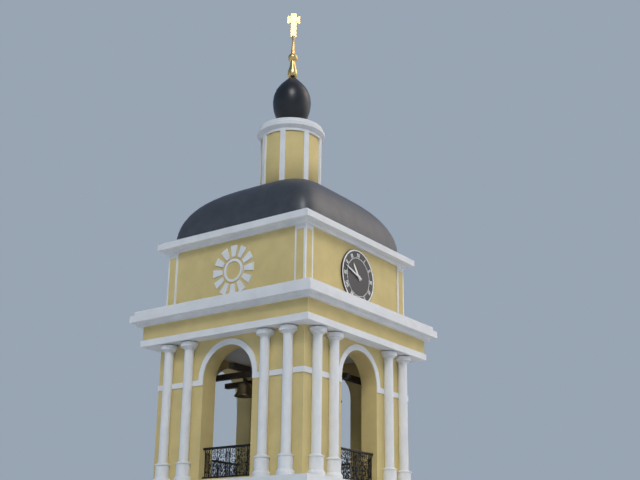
10:48
